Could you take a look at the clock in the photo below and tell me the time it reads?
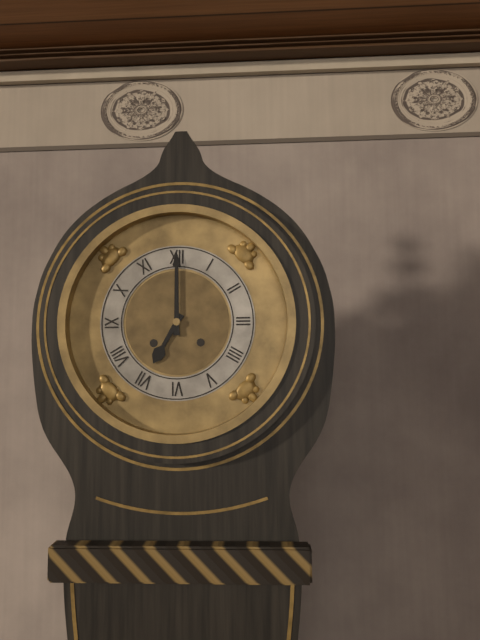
7:00
